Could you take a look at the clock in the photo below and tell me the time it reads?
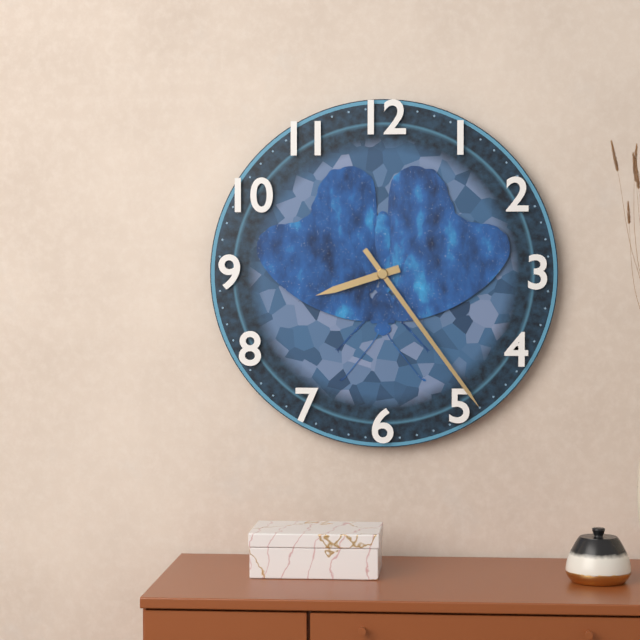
8:24
